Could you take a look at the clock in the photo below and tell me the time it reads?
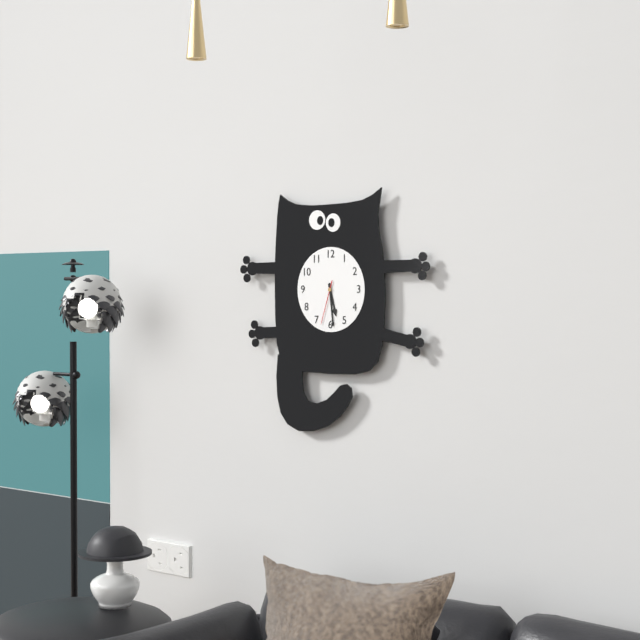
5:29
